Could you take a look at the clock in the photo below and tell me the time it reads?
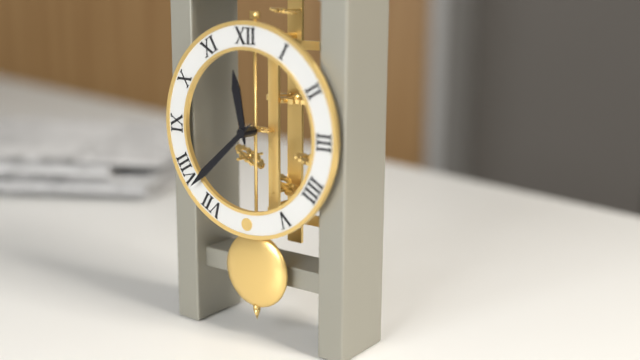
11:38
